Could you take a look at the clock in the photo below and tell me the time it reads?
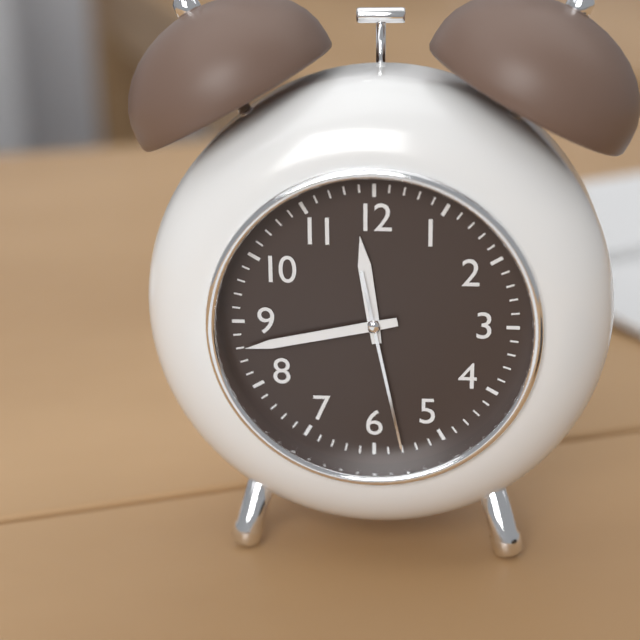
11:43:28
